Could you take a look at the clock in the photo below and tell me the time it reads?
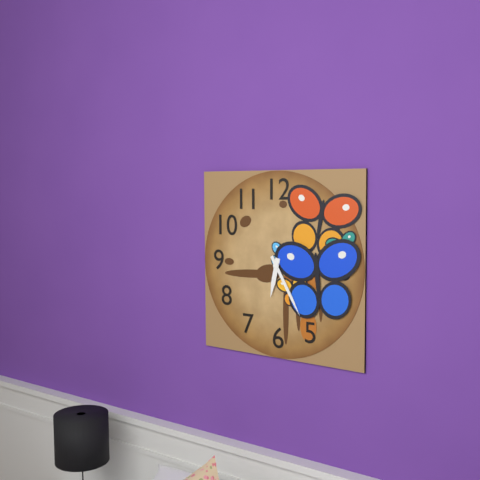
6:25
